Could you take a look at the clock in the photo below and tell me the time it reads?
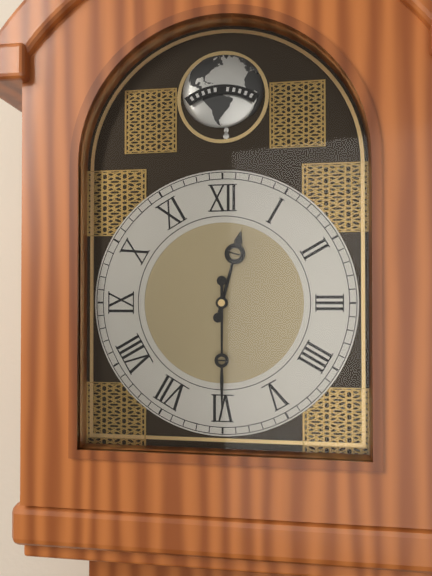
12:30
